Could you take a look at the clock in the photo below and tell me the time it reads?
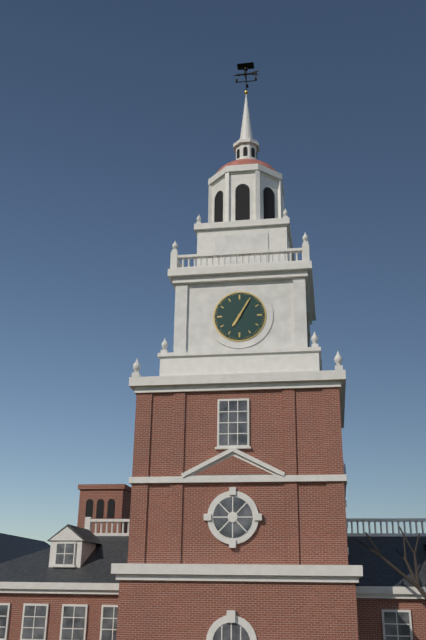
7:05
